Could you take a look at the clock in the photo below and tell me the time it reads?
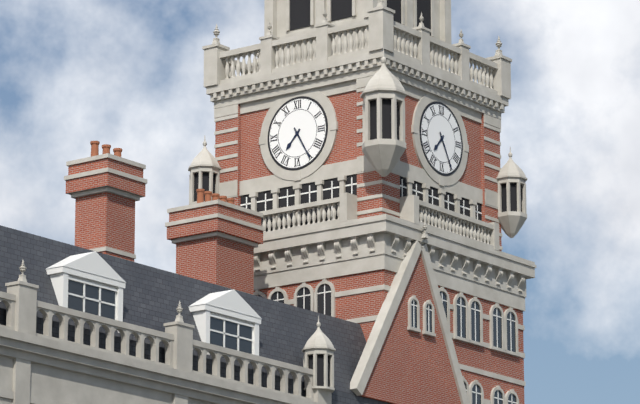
7:25
